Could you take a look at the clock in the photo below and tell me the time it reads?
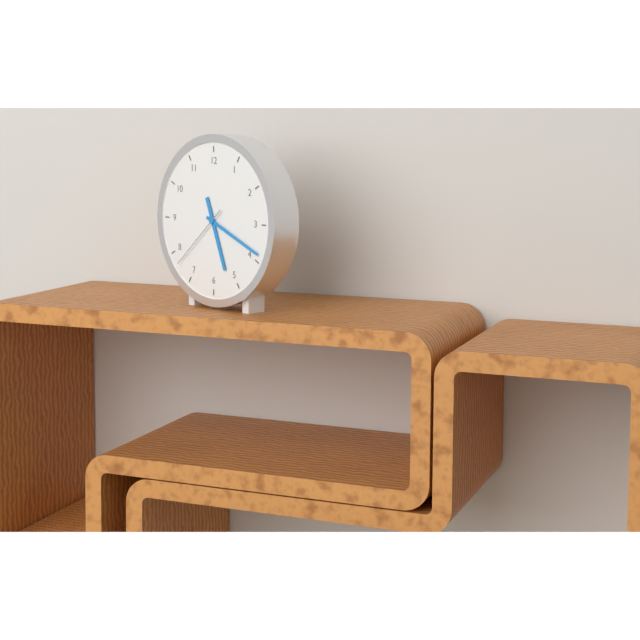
5:19:38
